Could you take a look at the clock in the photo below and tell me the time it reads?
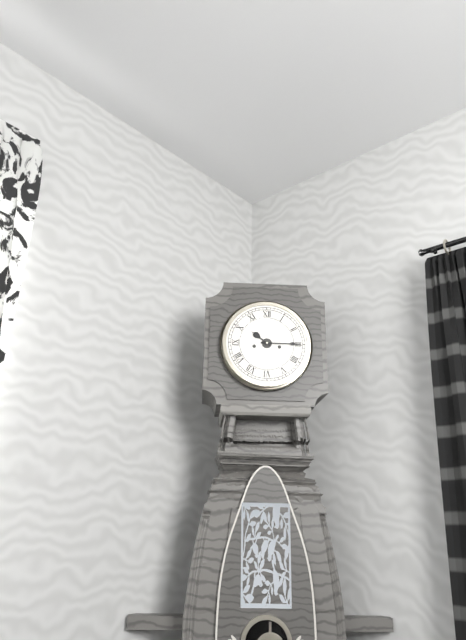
10:15
